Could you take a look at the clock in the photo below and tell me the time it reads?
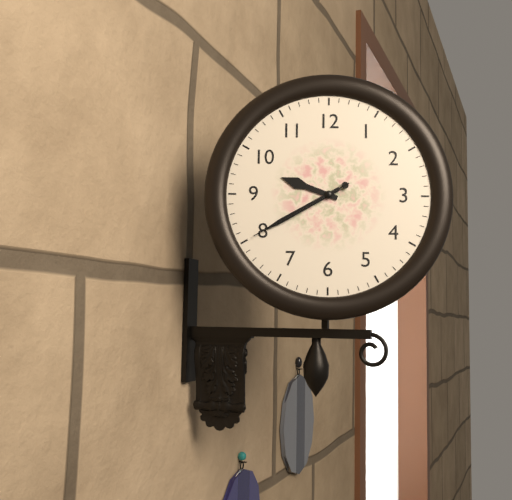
9:40:40
